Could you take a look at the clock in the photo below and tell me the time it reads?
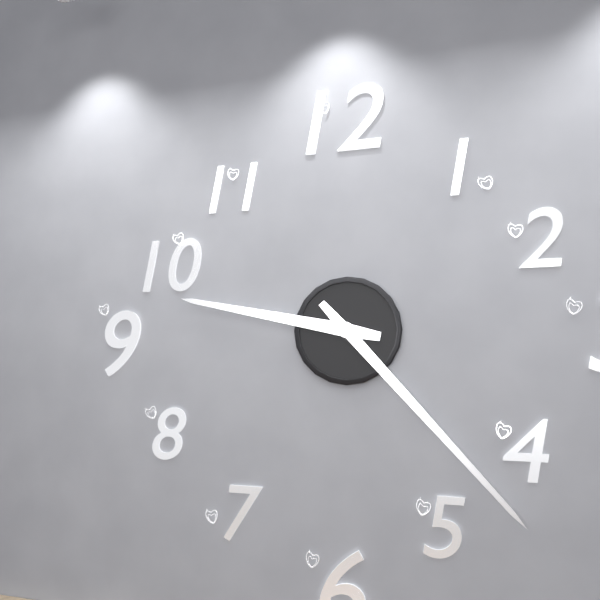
9:23
